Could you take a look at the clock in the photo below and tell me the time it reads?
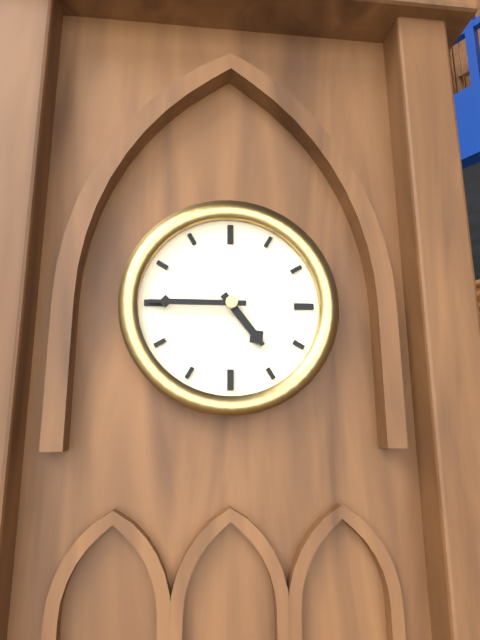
4:45
